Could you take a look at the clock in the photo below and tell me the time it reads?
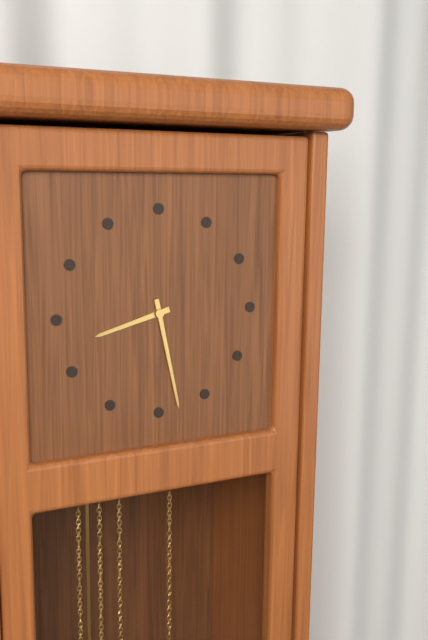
8:28
